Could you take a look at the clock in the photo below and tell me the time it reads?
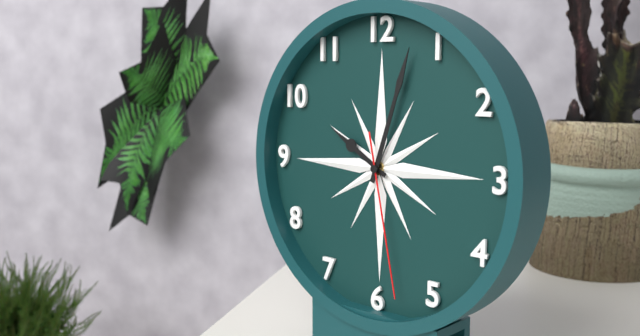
10:03:28
